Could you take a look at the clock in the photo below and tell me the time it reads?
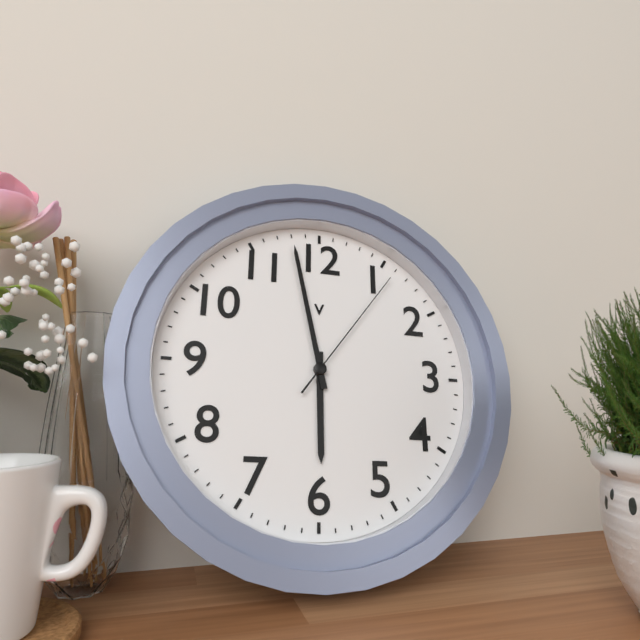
5:58:06
